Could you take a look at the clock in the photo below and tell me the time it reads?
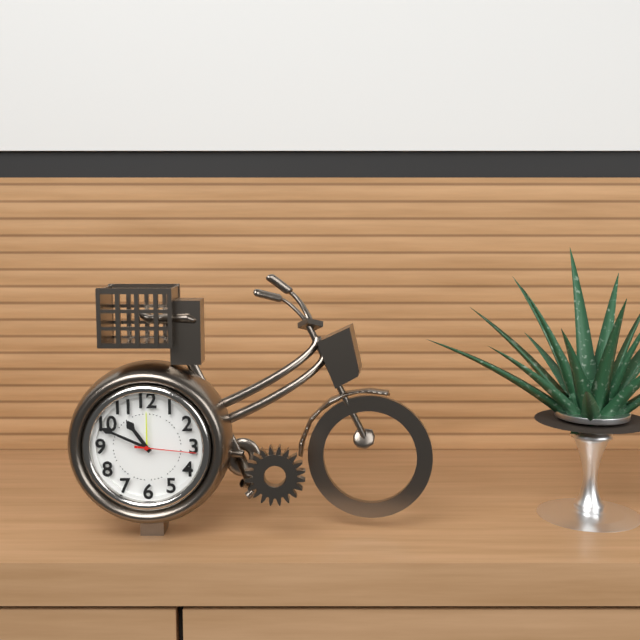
10:49:16
